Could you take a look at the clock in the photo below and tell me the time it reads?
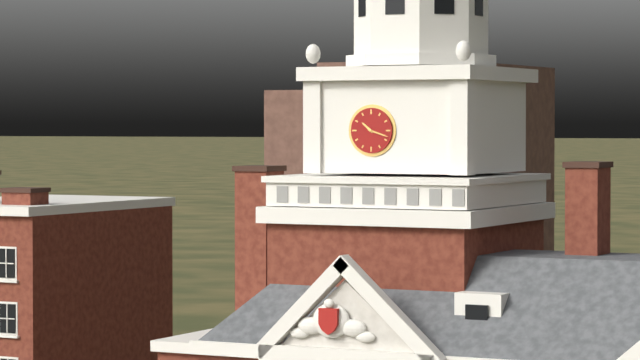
10:18
